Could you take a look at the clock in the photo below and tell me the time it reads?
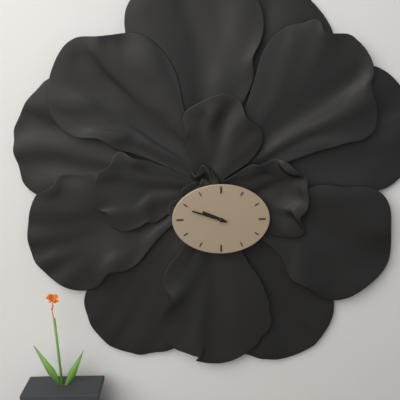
9:48
